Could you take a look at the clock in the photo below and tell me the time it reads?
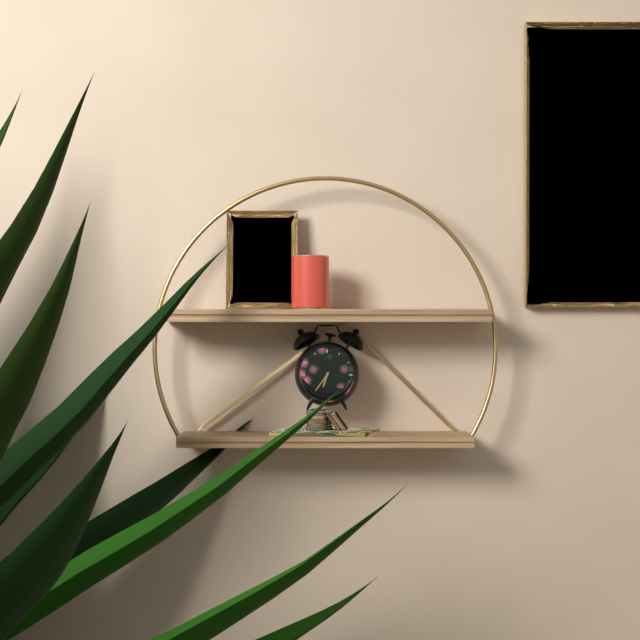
6:36
